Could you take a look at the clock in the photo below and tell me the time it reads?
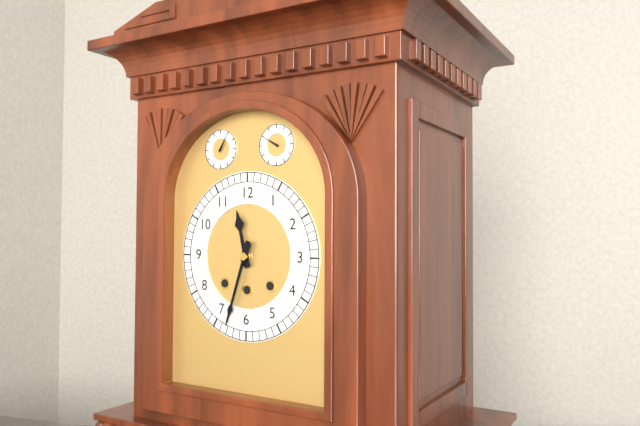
11:33
